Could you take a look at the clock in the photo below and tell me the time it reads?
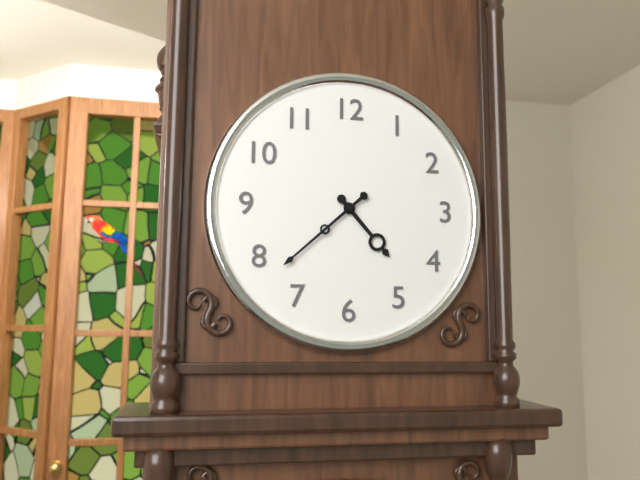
4:38
